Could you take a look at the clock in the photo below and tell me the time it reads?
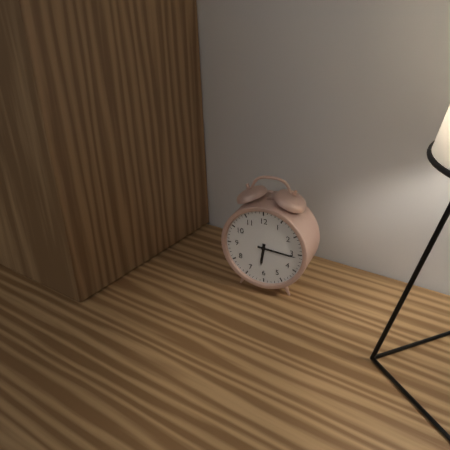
6:16
